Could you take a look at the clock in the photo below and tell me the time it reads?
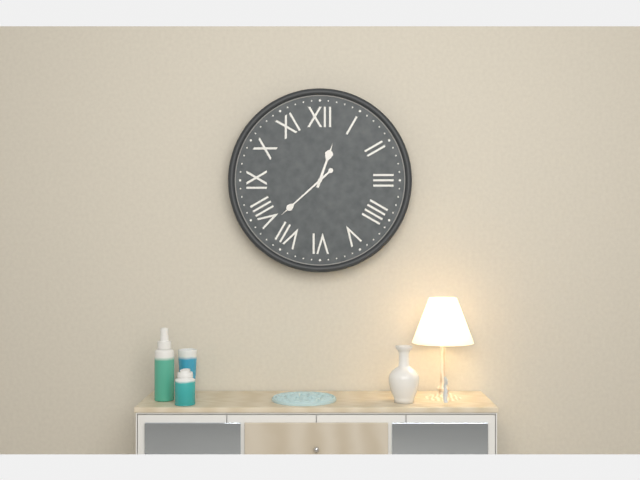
12:38
